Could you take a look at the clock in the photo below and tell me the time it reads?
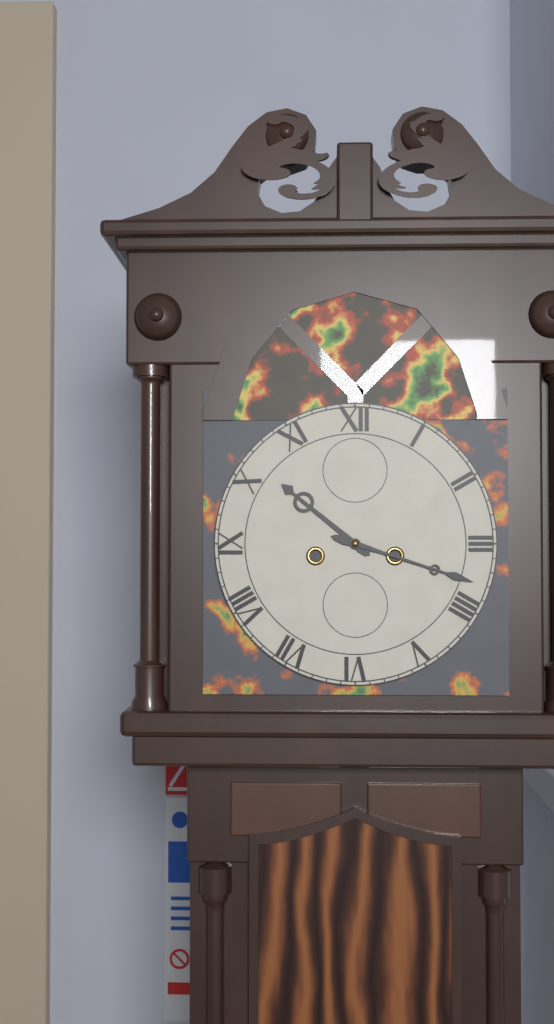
10:18
